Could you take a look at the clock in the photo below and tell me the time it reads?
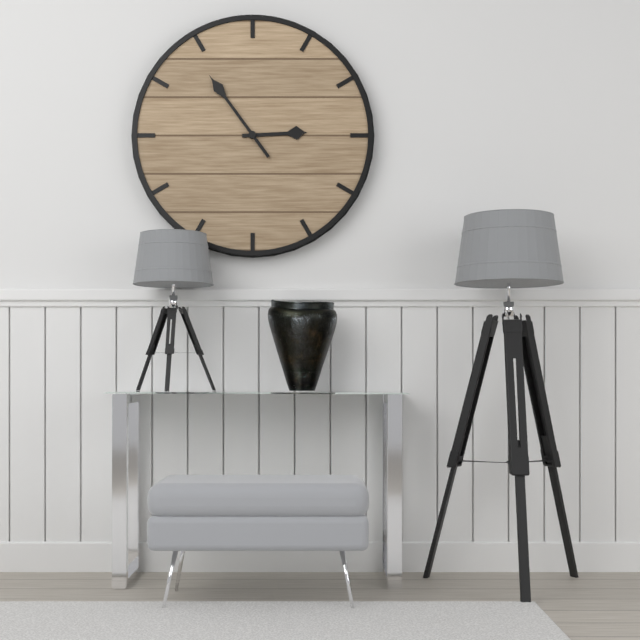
2:54
